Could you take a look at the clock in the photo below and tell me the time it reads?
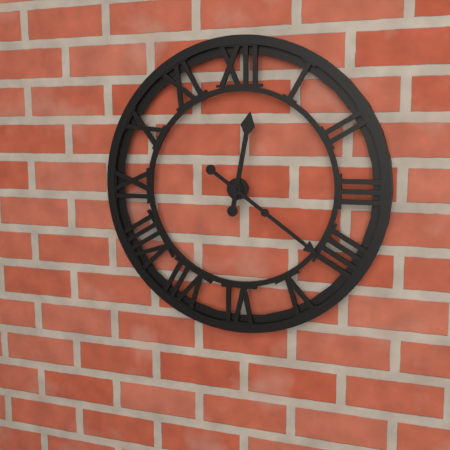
12:21
